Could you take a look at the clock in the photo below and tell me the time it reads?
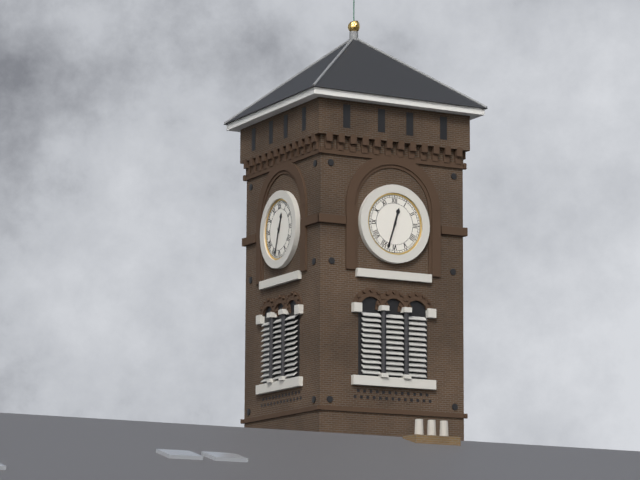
12:33
